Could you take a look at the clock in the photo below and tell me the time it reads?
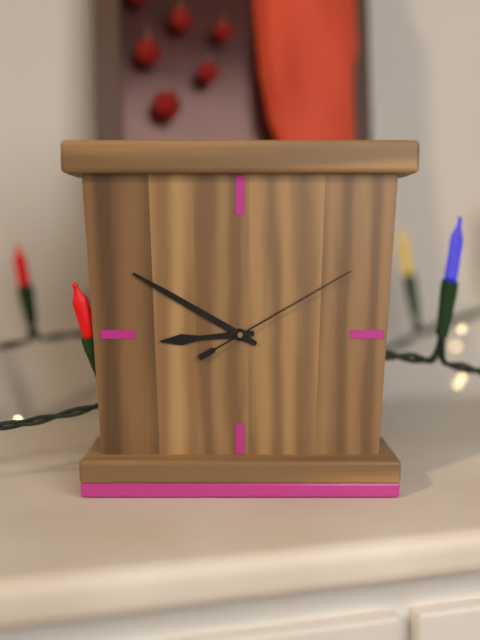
8:50:10
